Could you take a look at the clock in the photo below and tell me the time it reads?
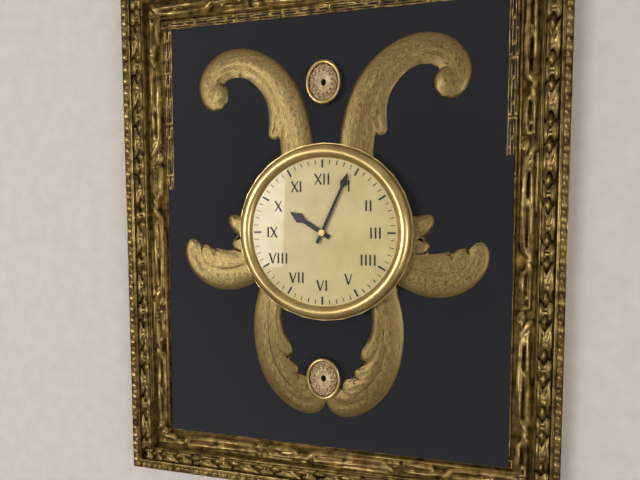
10:04
